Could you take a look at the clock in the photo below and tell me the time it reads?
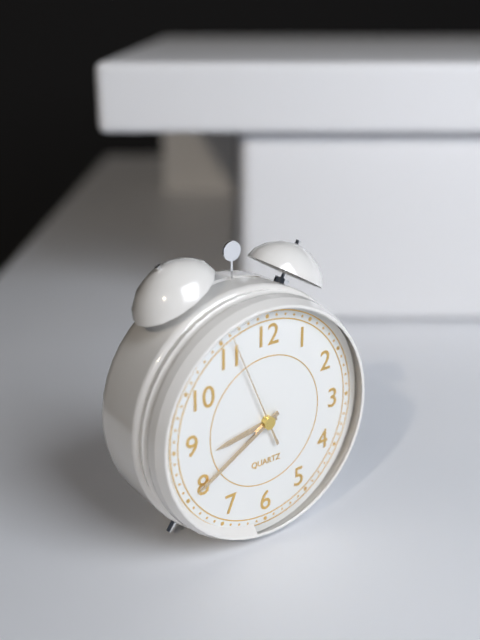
8:40:56
